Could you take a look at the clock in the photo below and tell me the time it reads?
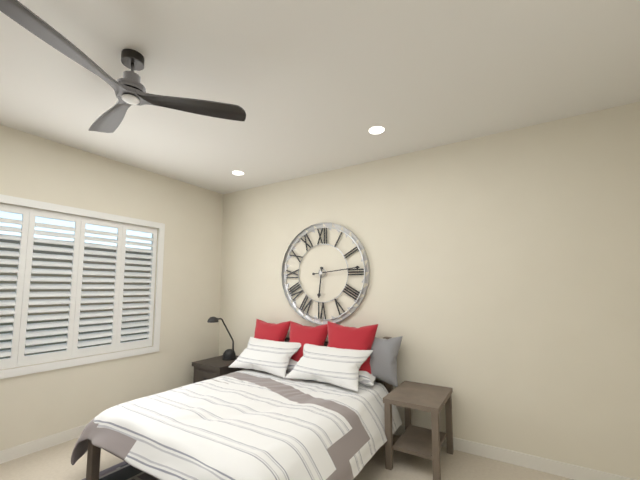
6:14
